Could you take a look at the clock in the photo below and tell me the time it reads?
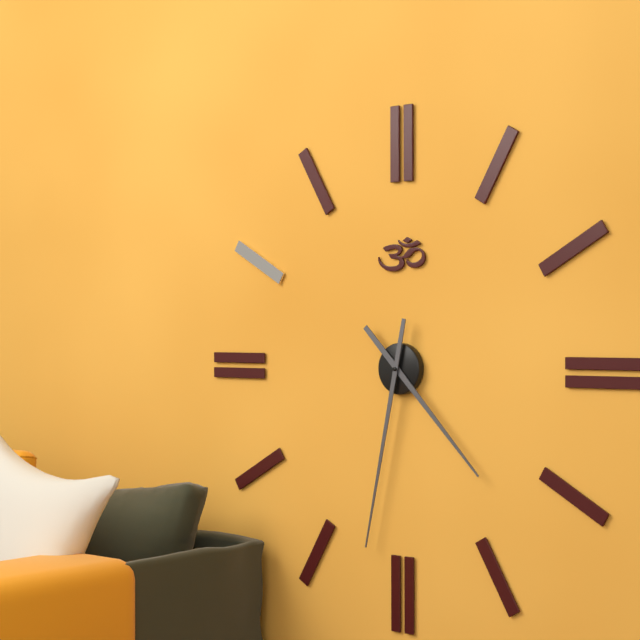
4:32
